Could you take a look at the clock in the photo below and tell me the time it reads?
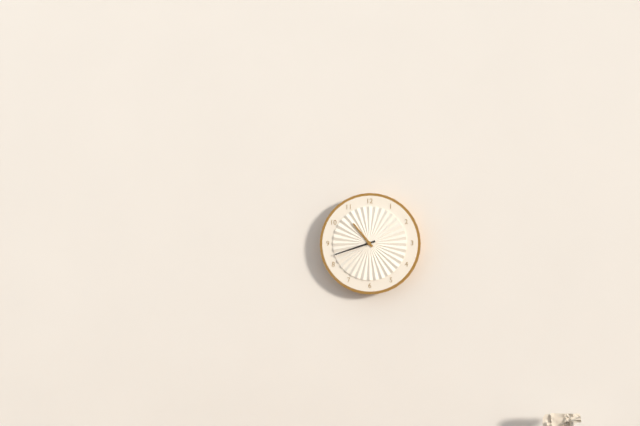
10:42
